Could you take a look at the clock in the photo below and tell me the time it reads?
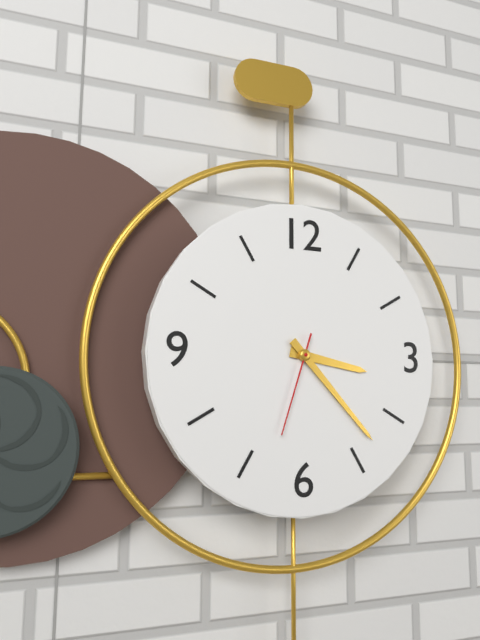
3:23:33
